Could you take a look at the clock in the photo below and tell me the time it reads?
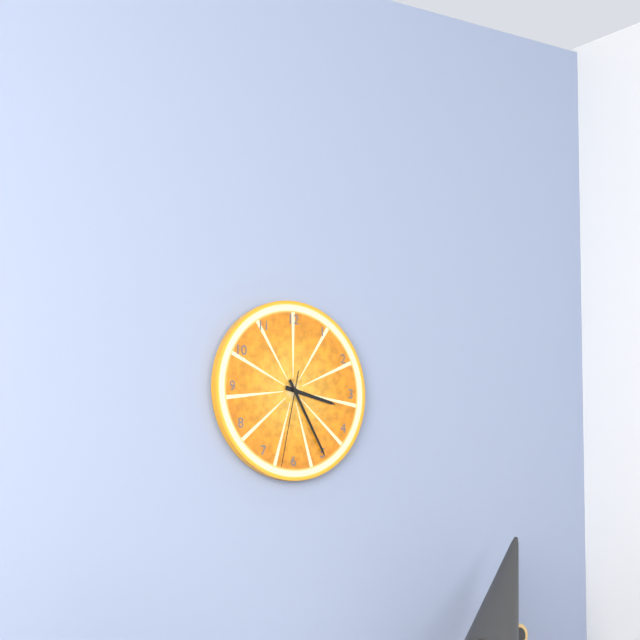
3:25:32
